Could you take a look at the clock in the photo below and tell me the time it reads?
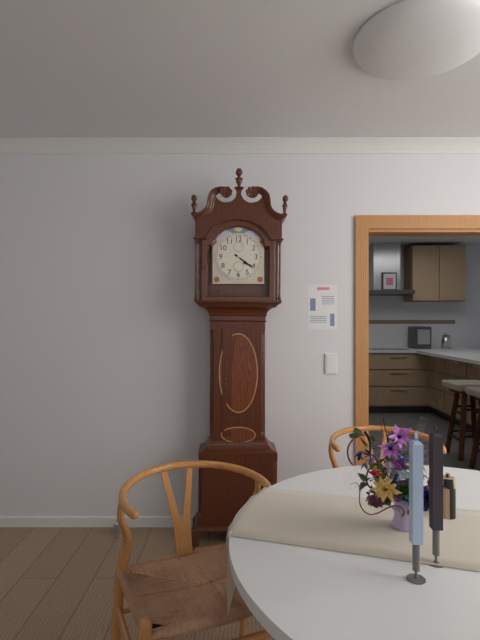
4:21
